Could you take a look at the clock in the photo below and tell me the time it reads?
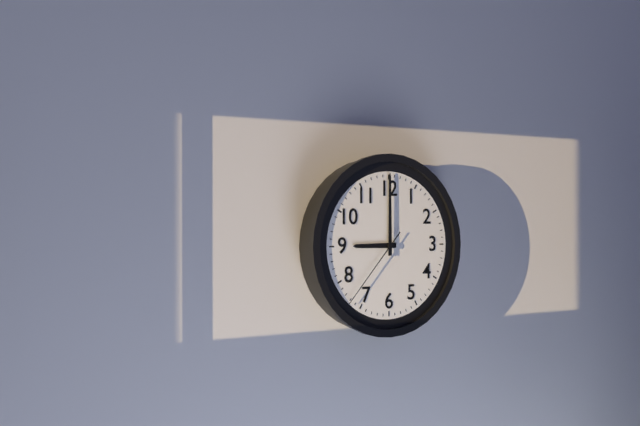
9:00:37
